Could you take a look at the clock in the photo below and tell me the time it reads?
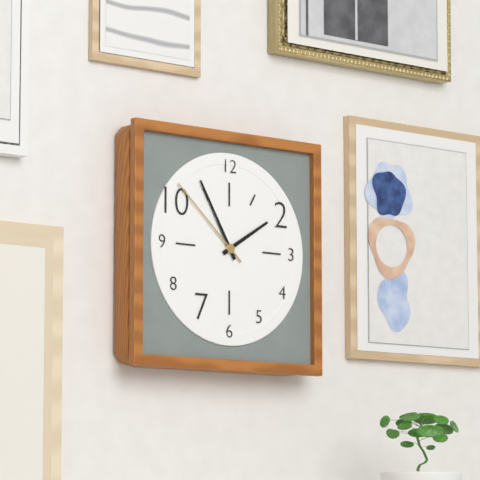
1:55:52
